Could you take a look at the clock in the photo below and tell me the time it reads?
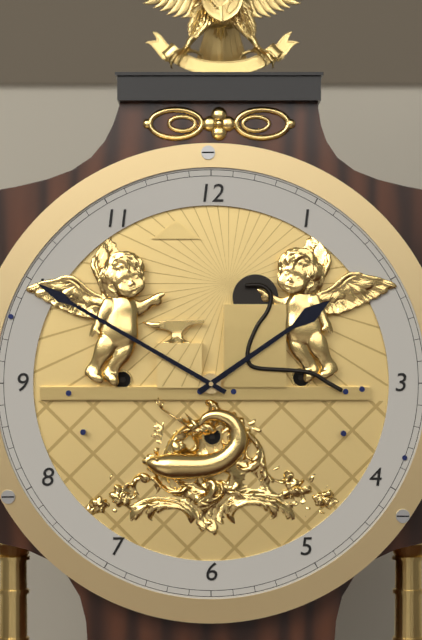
1:50
